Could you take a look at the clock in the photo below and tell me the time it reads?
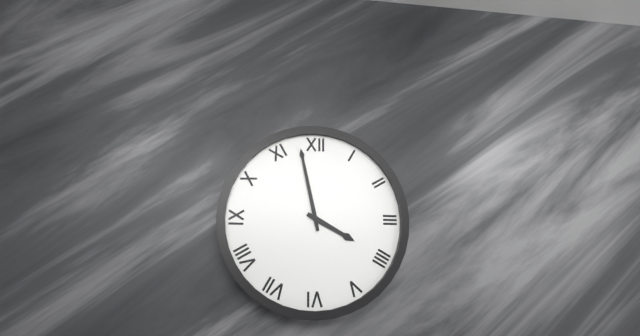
3:58
